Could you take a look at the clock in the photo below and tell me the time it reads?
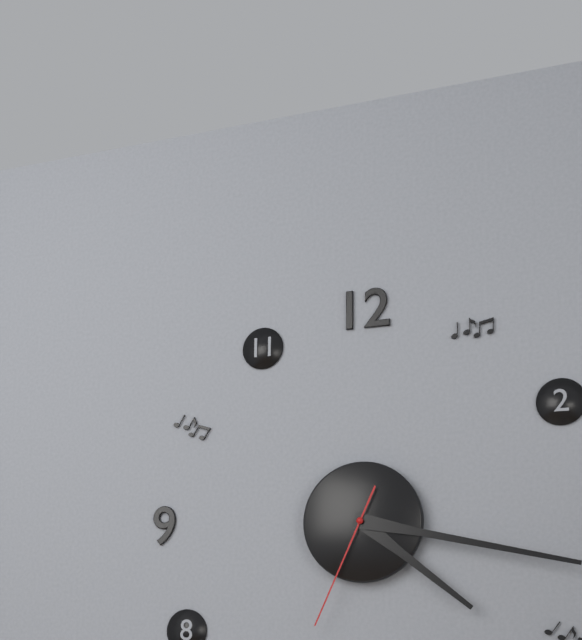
4:17:34
